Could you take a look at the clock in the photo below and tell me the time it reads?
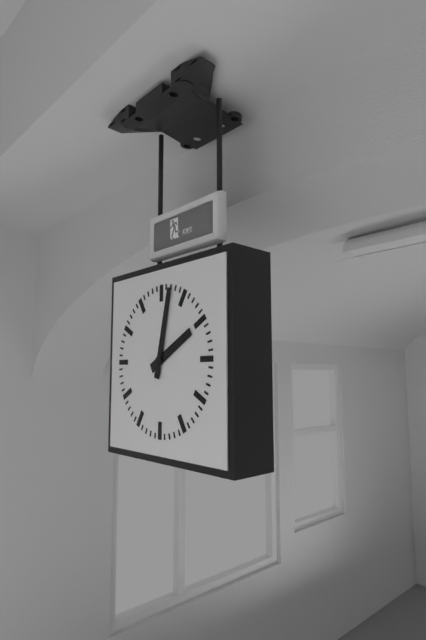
2:02
